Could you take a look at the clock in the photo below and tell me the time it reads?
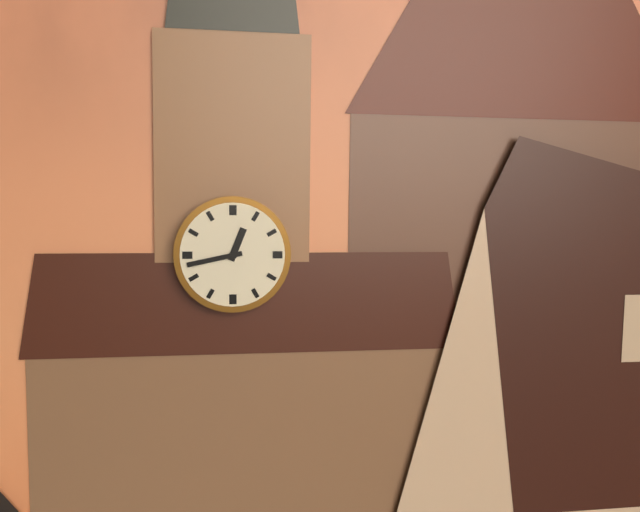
12:43
